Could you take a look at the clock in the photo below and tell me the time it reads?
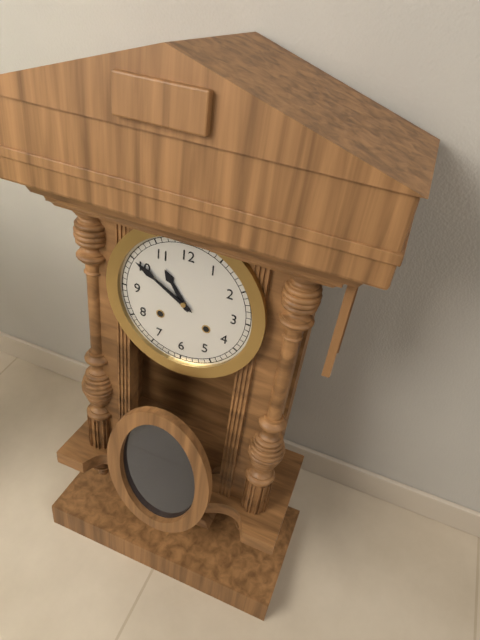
10:50
